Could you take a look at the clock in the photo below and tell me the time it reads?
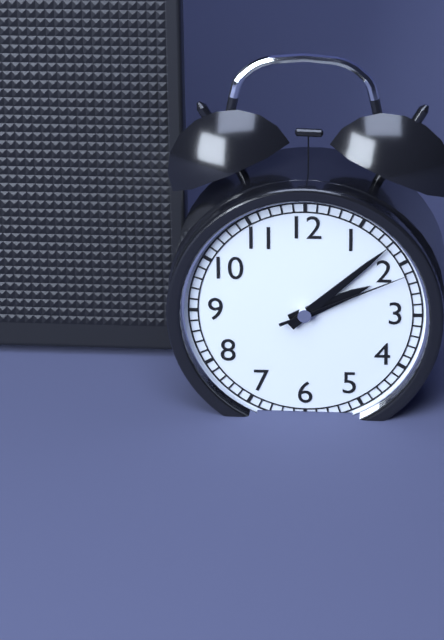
2:08:11
